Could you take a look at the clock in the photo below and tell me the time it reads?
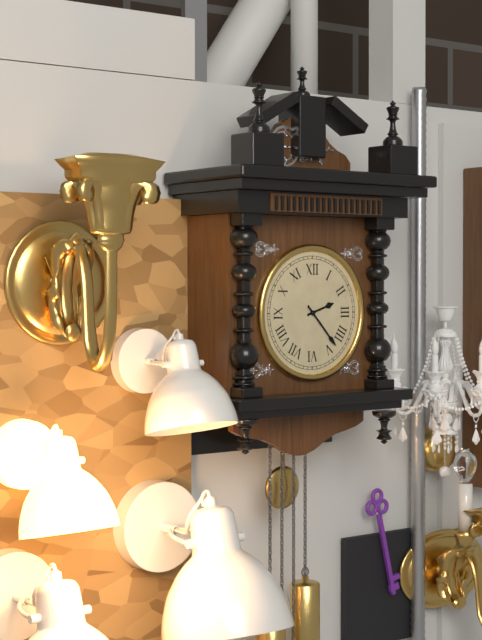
2:23
